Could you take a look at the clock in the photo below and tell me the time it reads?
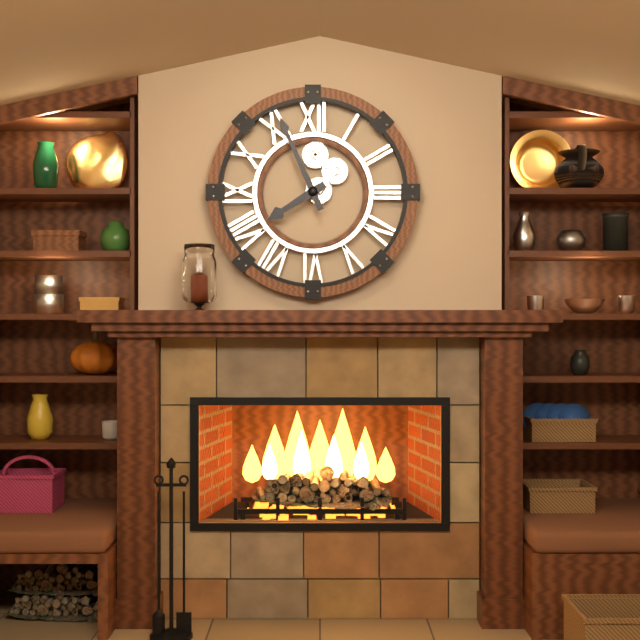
7:56
